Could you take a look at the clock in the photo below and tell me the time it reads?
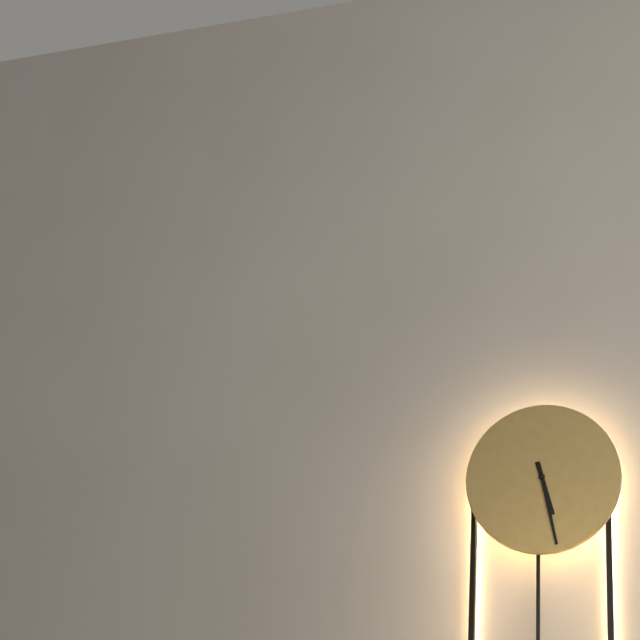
5:28
